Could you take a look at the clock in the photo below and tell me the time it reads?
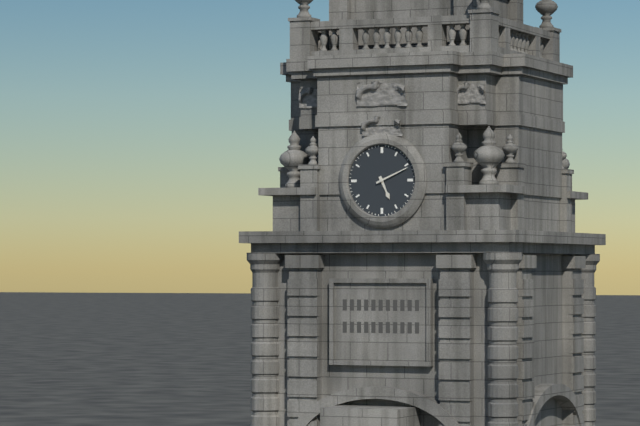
5:11
